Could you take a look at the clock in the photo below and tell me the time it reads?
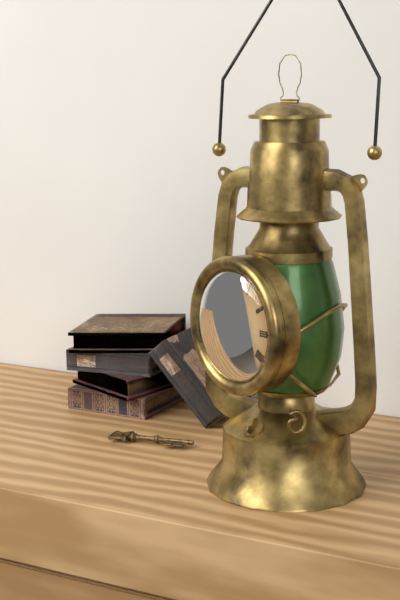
10:34
